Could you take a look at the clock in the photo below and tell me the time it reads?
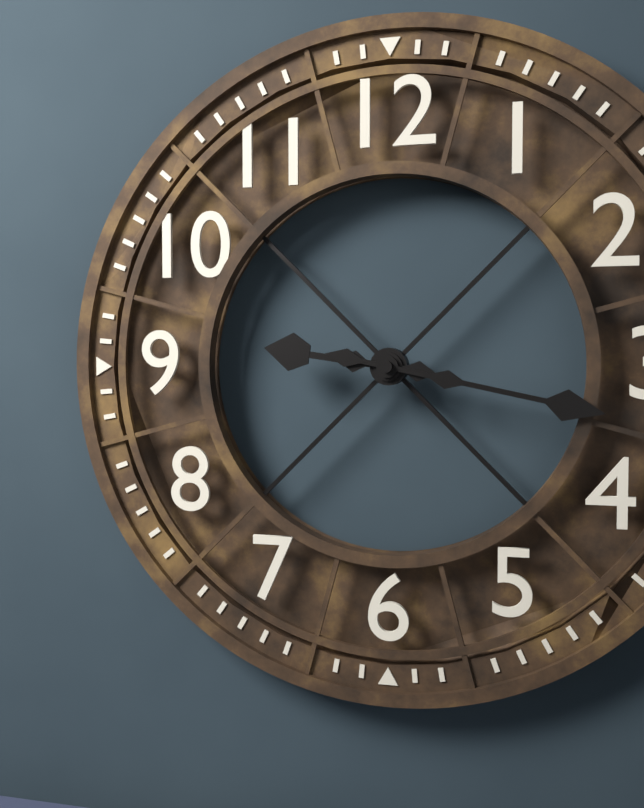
9:17
